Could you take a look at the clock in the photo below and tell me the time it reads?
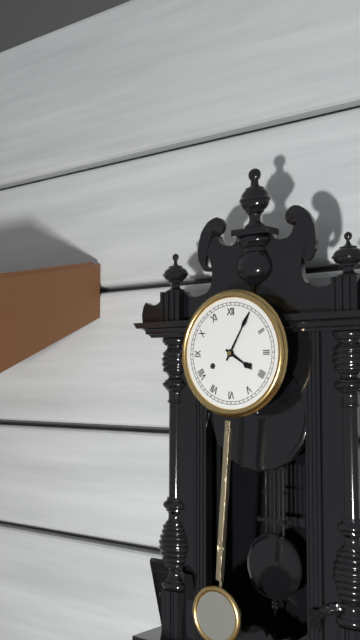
4:05
